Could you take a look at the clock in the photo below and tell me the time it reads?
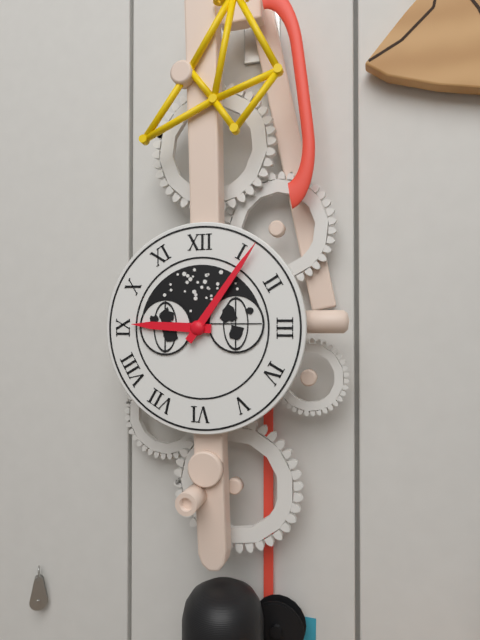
9:06
